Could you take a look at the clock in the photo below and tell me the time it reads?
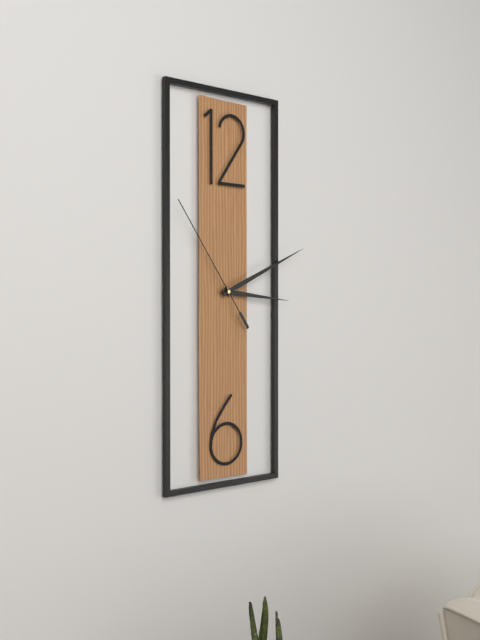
3:11:54
